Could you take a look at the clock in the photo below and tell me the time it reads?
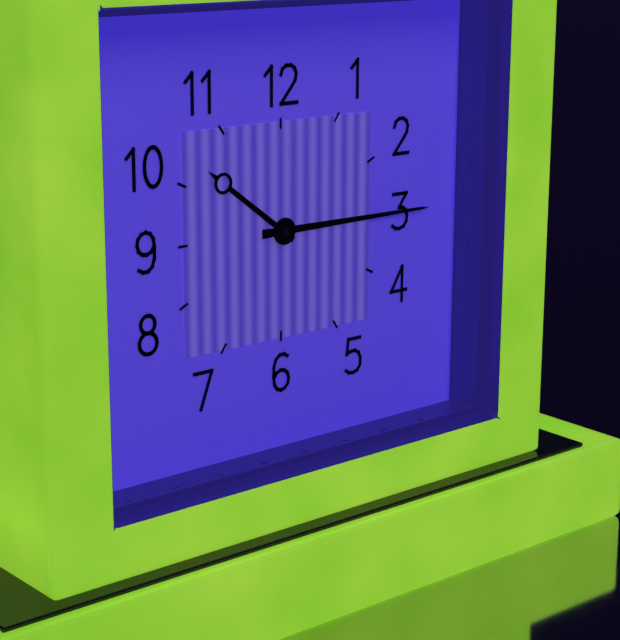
10:15
